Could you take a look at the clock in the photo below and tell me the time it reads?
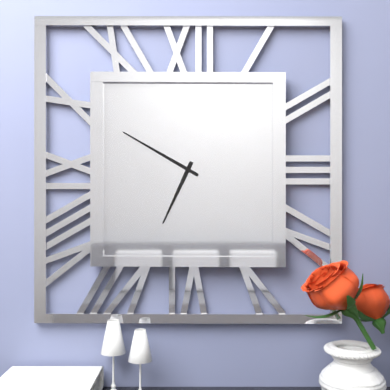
6:50
